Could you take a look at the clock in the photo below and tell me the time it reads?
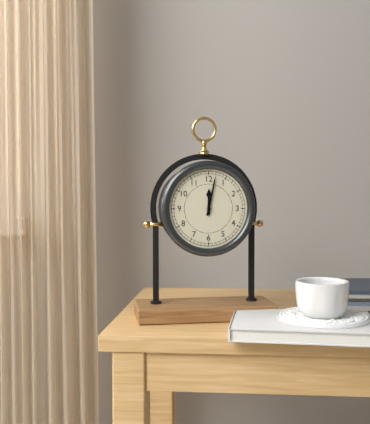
12:02
